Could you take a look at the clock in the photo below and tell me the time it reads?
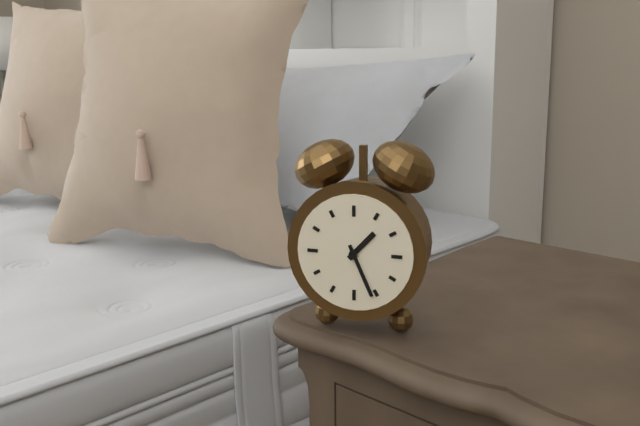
1:26
